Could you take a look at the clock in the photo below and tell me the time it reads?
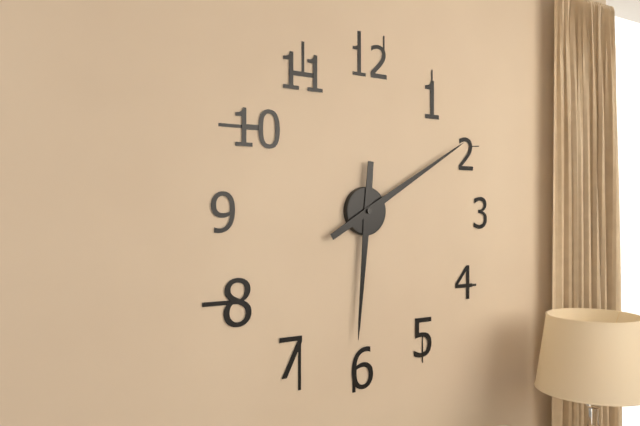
6:10
